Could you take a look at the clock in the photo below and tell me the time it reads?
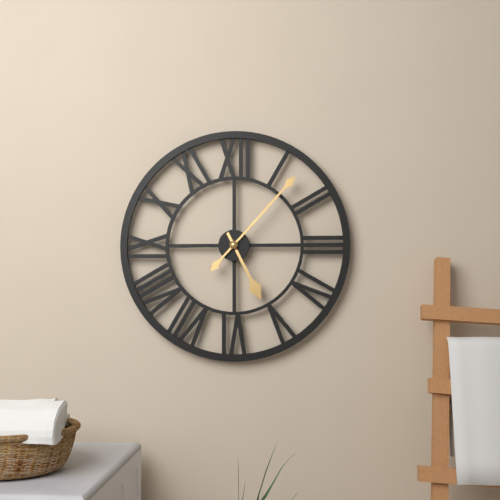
5:07
